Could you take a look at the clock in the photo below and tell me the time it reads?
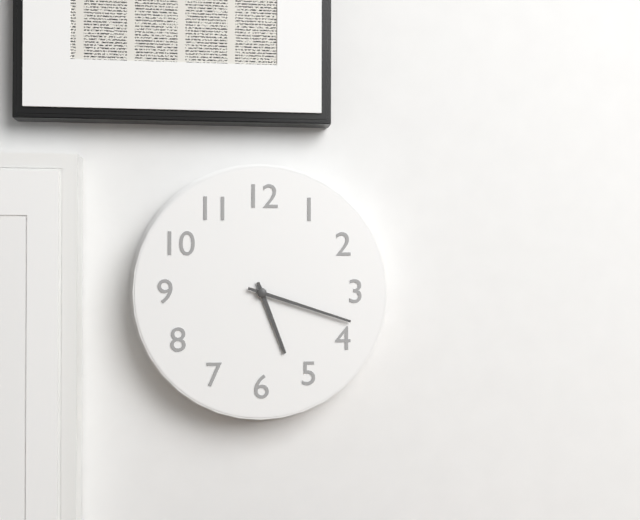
5:18
